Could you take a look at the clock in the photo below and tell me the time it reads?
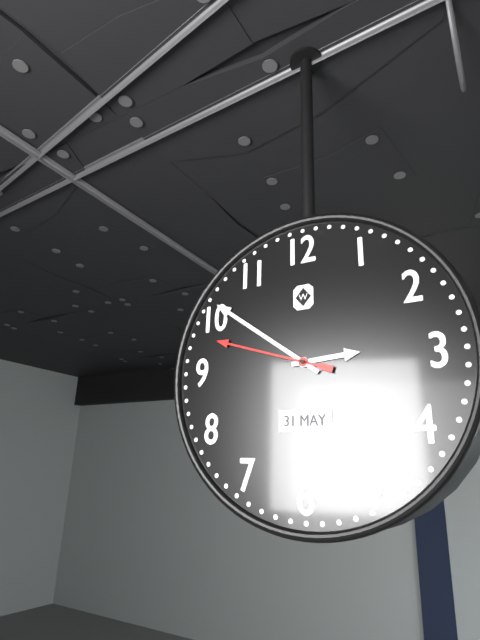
2:51:48
